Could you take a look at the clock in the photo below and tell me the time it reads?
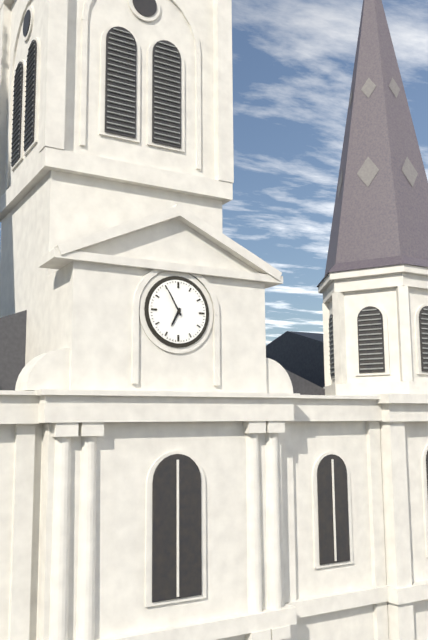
6:55
